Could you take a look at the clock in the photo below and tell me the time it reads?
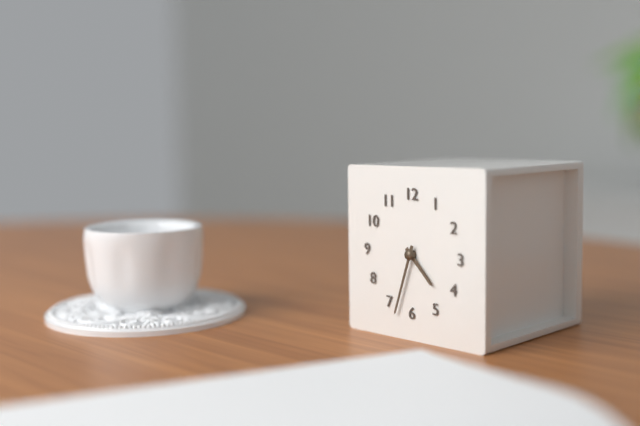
4:33
